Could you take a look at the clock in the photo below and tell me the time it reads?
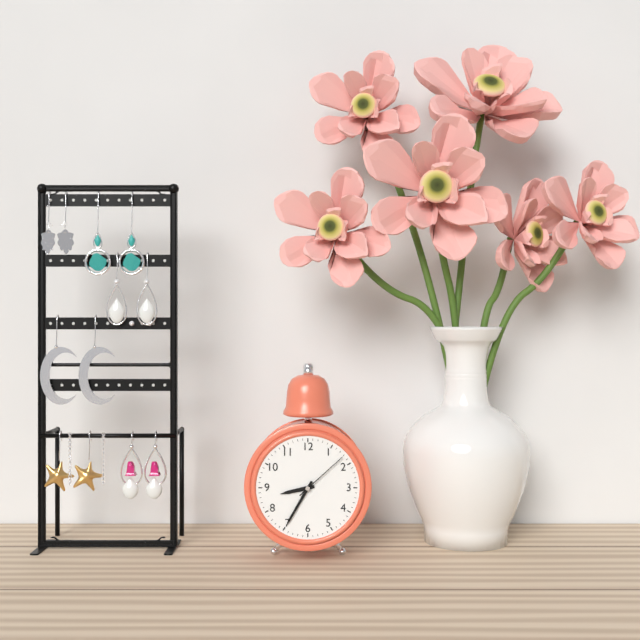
8:35:08
